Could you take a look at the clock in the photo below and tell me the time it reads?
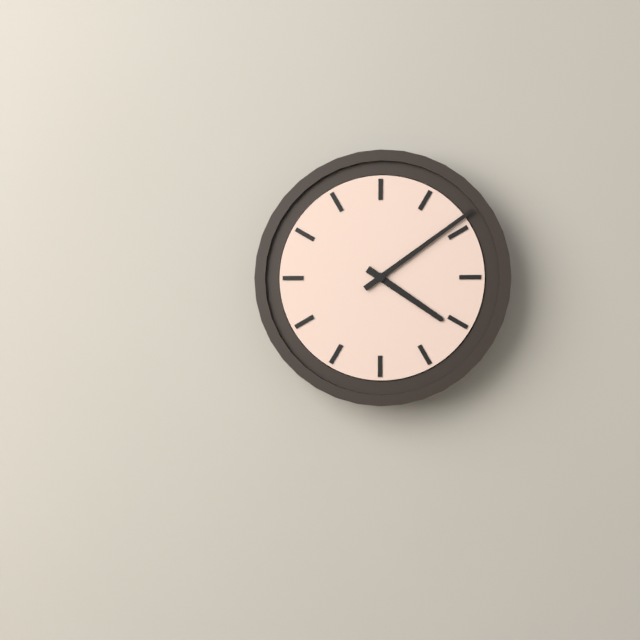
4:09
